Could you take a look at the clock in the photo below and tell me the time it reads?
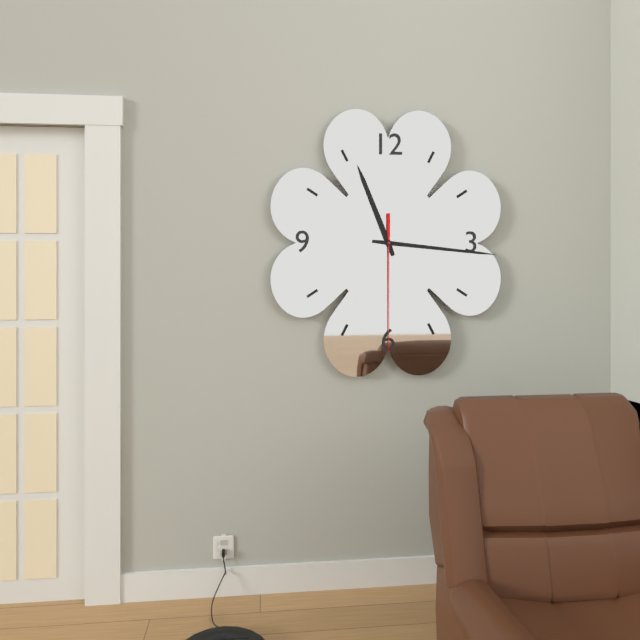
11:16:30
